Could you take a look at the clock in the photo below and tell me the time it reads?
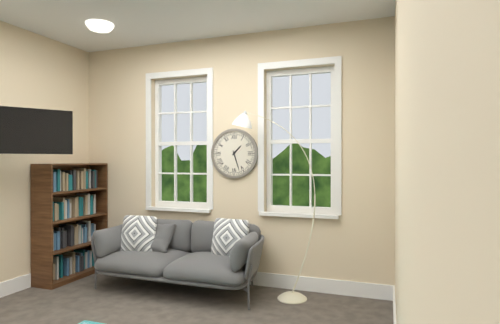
1:27
